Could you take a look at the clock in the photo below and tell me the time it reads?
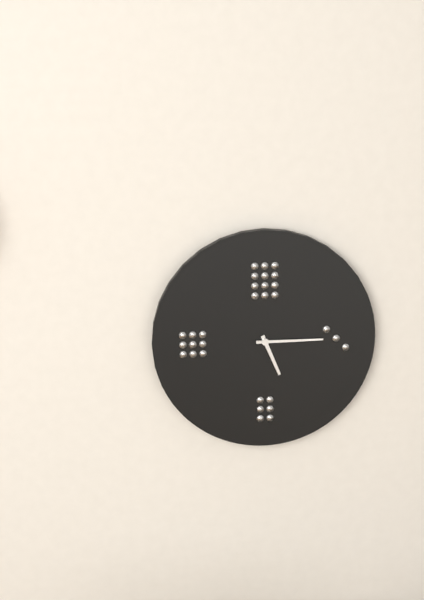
5:15
